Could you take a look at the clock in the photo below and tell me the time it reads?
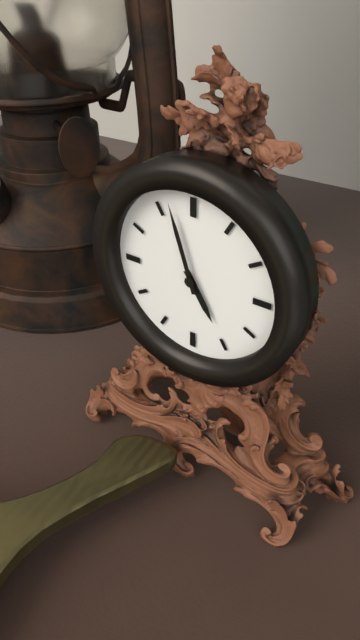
4:57
